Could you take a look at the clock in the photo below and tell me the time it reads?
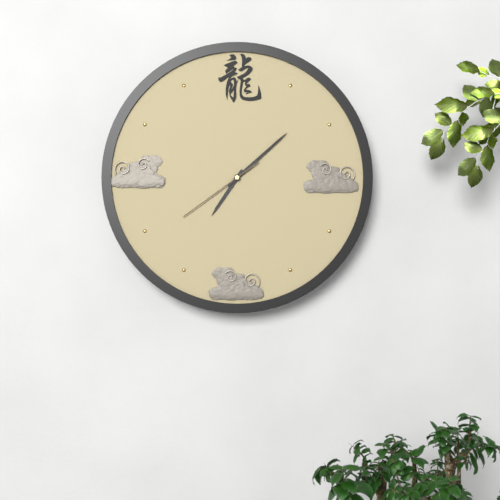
7:08:39
